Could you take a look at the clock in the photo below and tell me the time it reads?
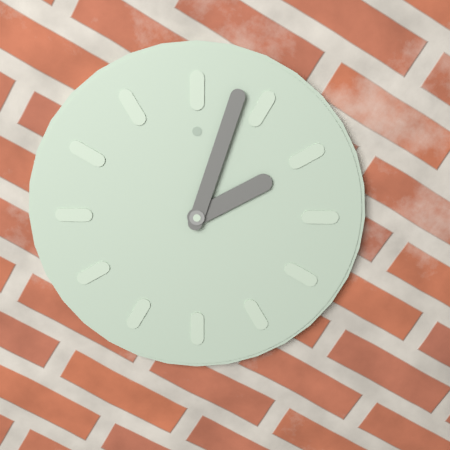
2:03
